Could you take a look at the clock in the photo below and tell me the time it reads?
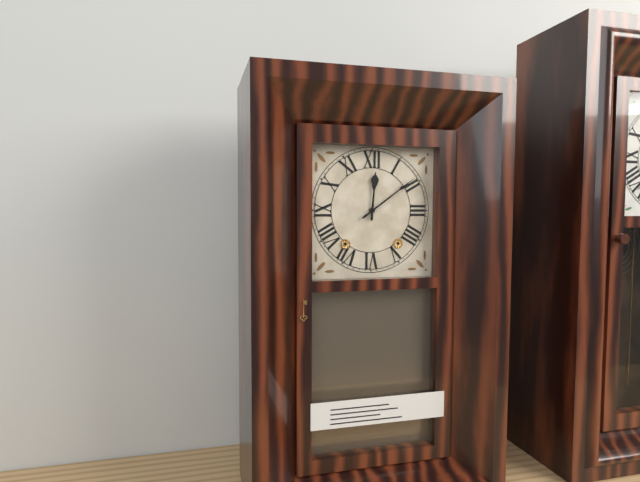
12:09
